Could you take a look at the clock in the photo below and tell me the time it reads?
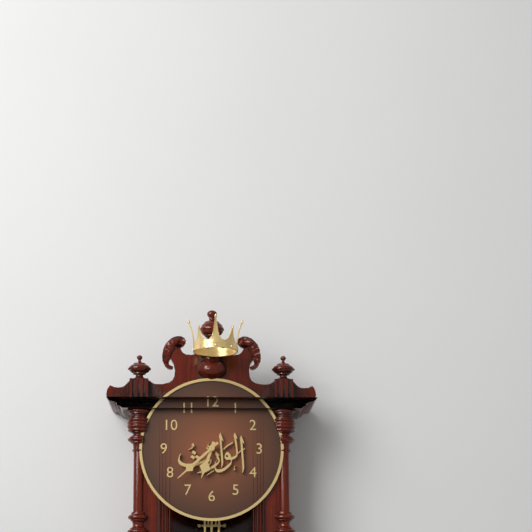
6:38
